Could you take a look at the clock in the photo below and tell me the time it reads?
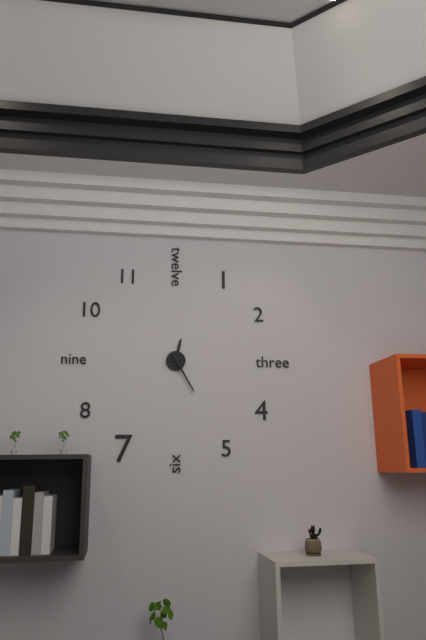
12:25
